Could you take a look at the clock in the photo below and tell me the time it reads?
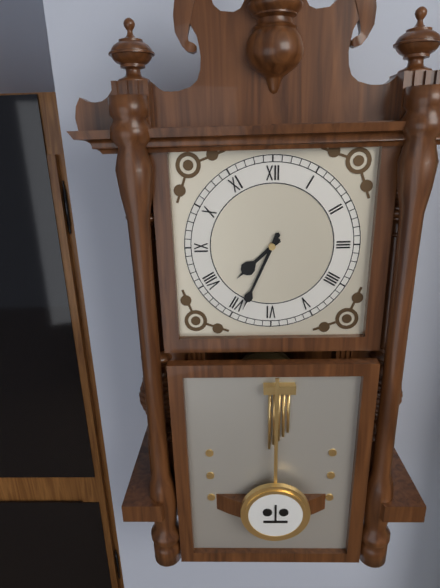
7:34
